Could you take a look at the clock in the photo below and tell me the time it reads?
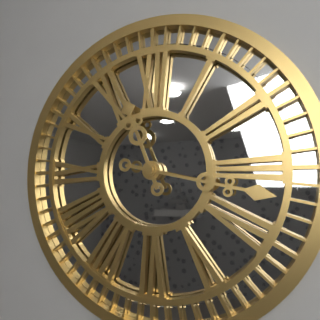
11:17
